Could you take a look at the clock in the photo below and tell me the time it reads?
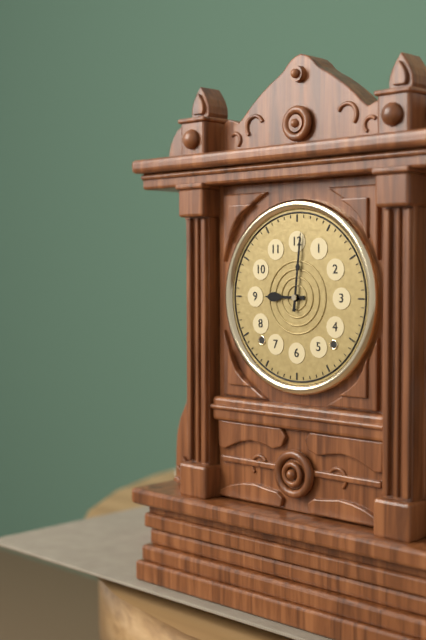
9:01
